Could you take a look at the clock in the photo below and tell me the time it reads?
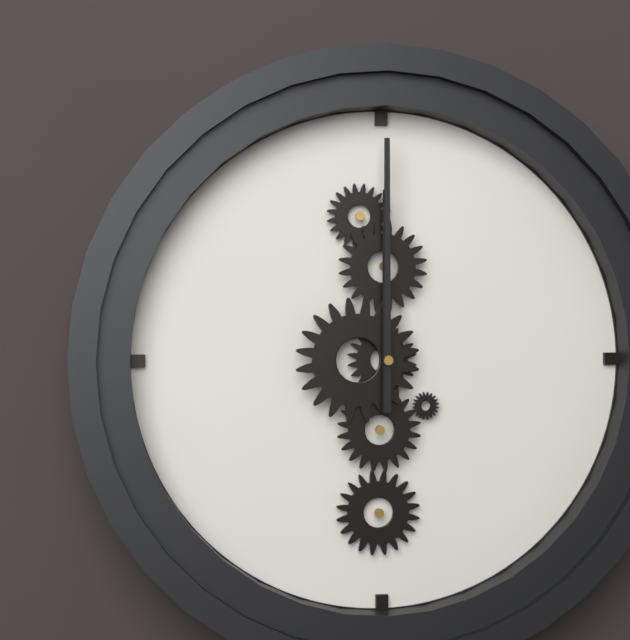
12:00
